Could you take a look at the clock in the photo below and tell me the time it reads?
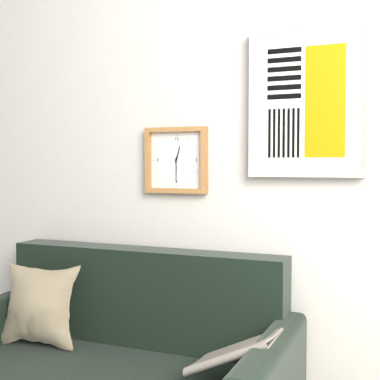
12:30
